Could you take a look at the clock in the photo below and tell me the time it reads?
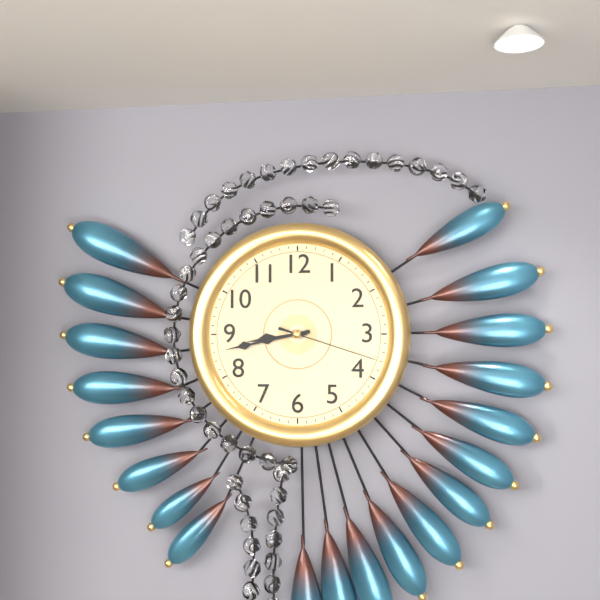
8:43:18
